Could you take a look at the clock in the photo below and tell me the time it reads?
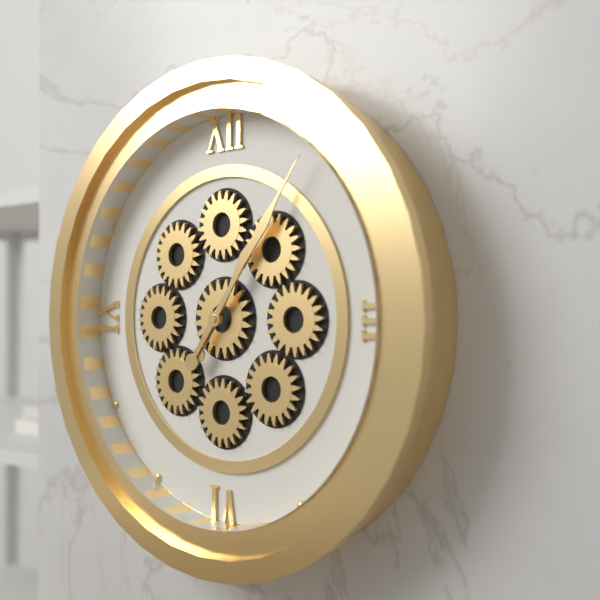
1:06
